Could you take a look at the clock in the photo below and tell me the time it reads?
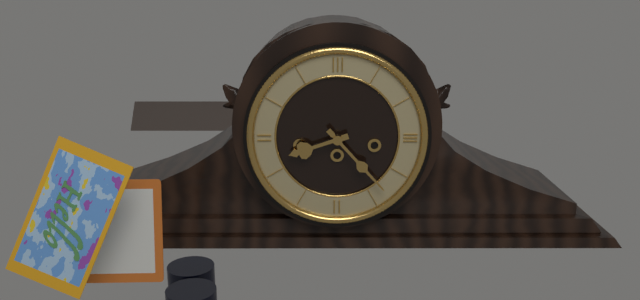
8:23
